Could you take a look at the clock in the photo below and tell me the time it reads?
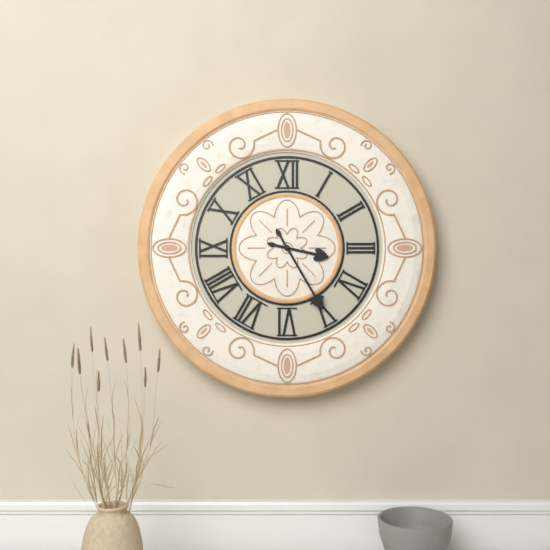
3:25
